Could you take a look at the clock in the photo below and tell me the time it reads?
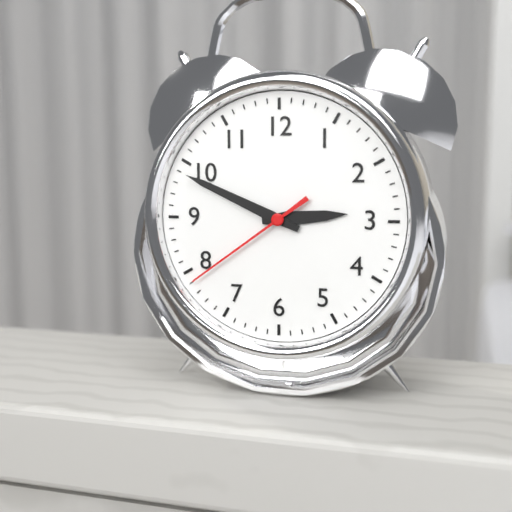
2:49:39
